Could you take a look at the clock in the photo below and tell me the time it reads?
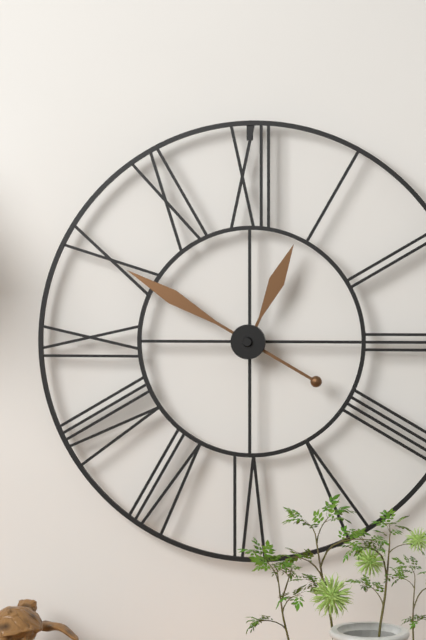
12:50
